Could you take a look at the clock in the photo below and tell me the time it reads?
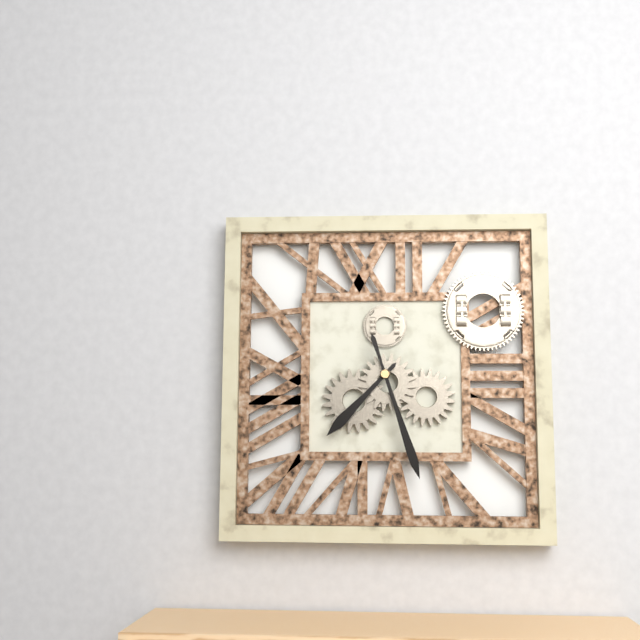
7:27
